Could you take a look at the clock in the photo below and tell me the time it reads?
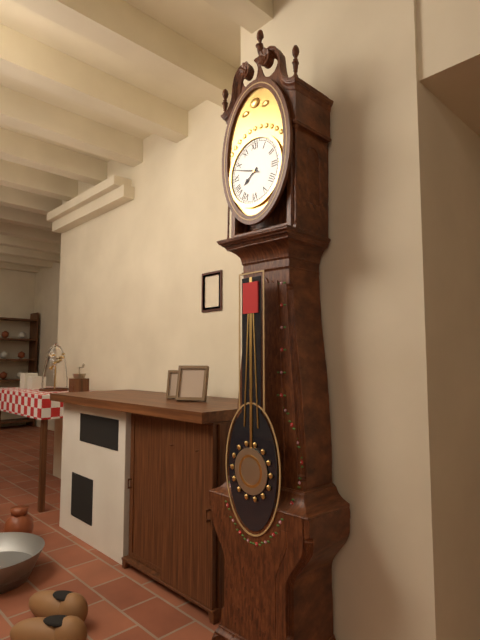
7:48
